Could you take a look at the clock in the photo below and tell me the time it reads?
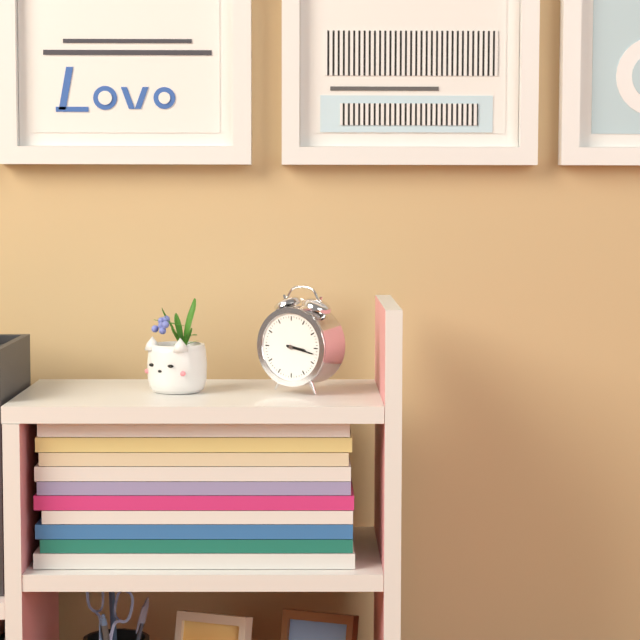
3:17
